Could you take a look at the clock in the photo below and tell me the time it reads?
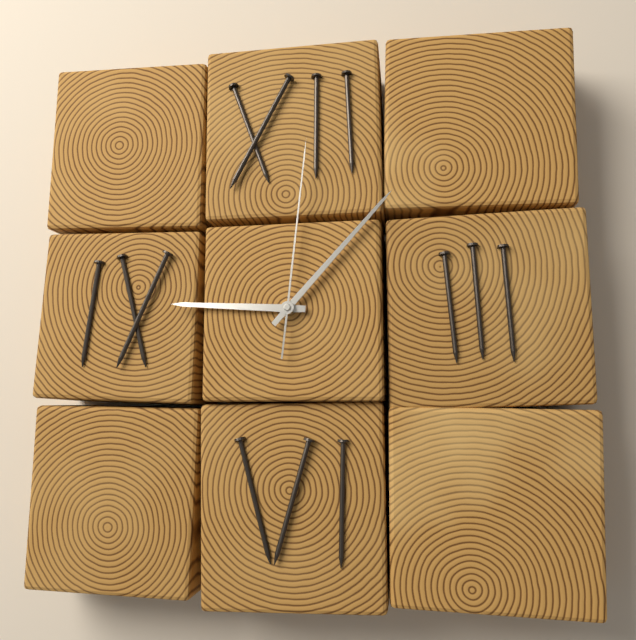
9:07:01
